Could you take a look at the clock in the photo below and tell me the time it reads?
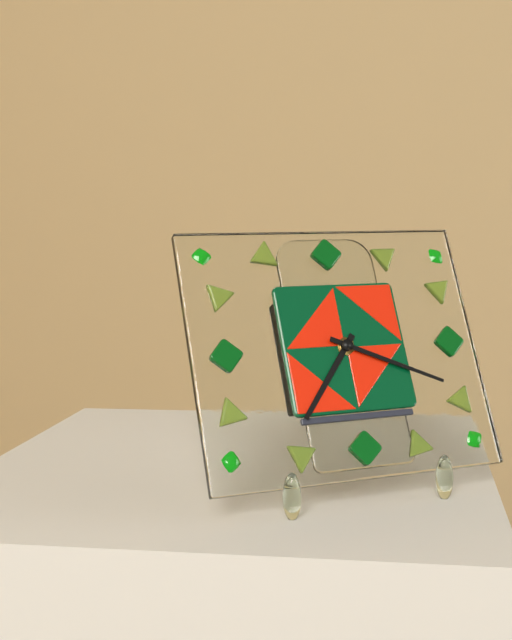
7:19
